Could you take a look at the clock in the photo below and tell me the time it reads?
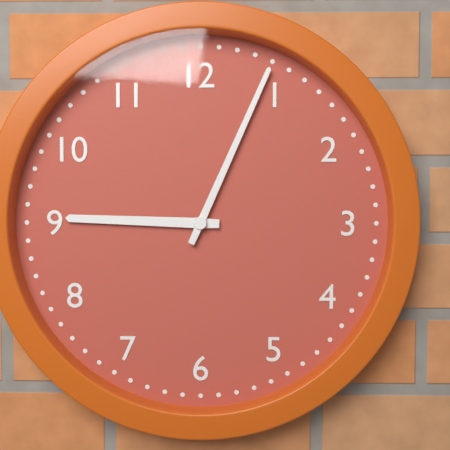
9:04
